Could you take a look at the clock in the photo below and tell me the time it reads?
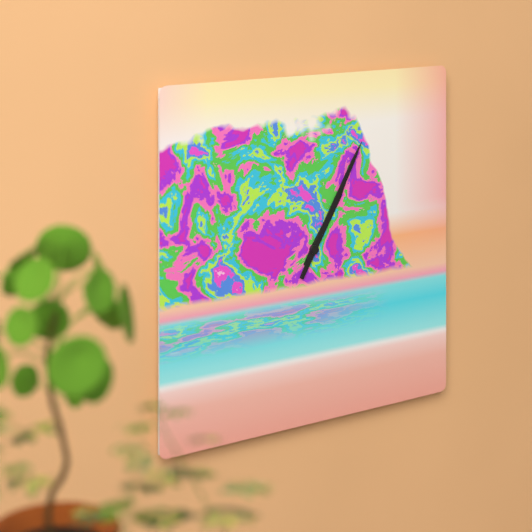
1:05
